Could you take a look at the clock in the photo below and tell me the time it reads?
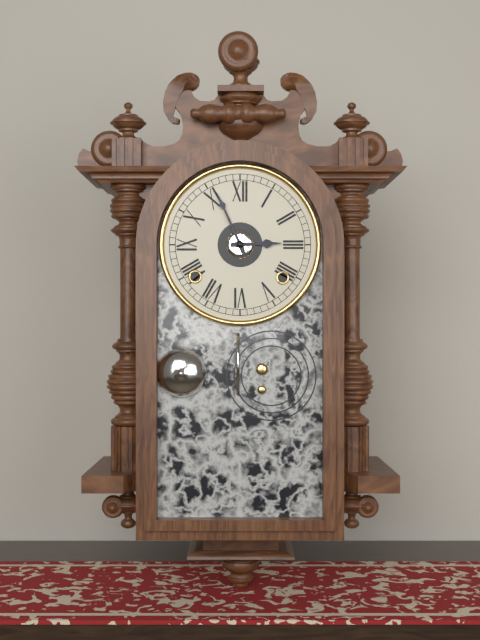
2:56
